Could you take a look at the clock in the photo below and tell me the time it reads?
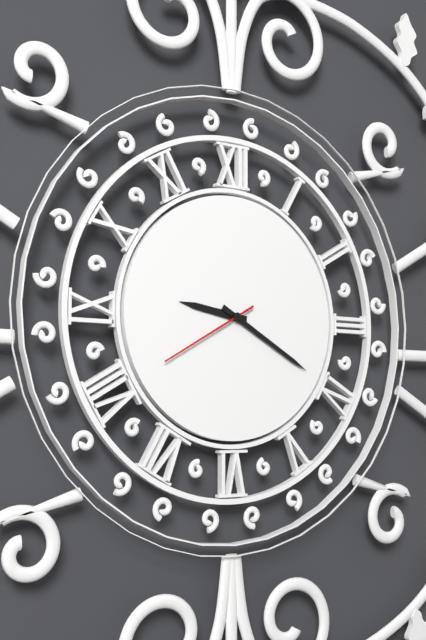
9:20:40
